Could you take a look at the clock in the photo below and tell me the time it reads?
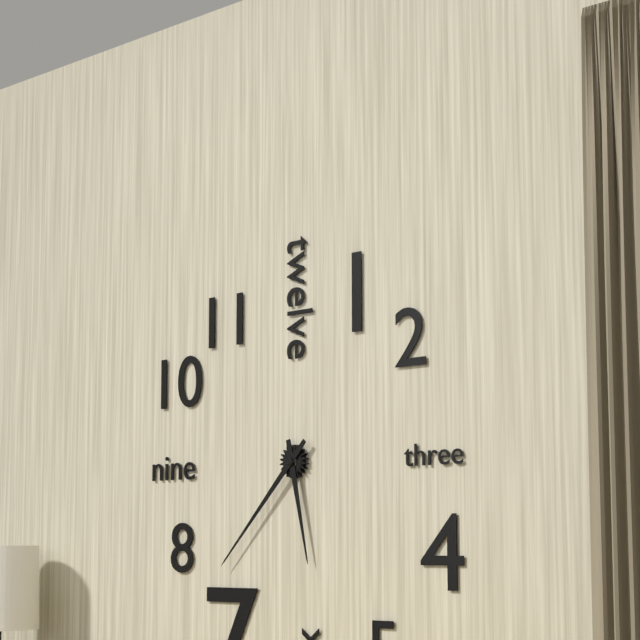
5:37
